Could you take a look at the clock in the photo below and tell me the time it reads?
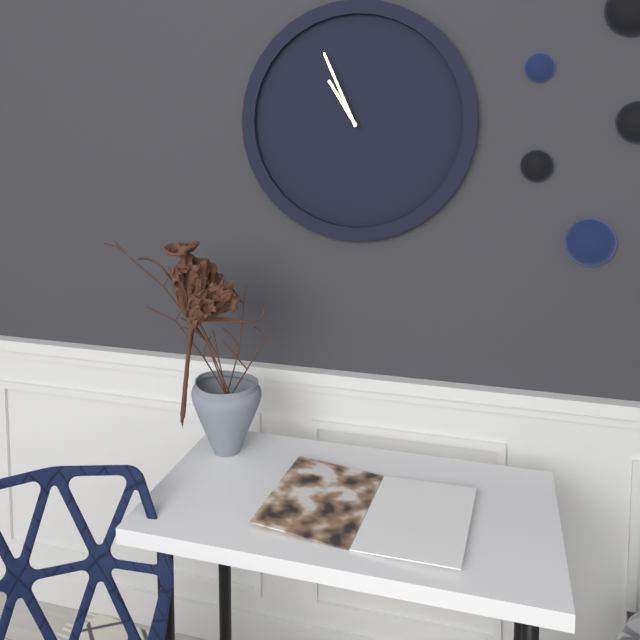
10:56
